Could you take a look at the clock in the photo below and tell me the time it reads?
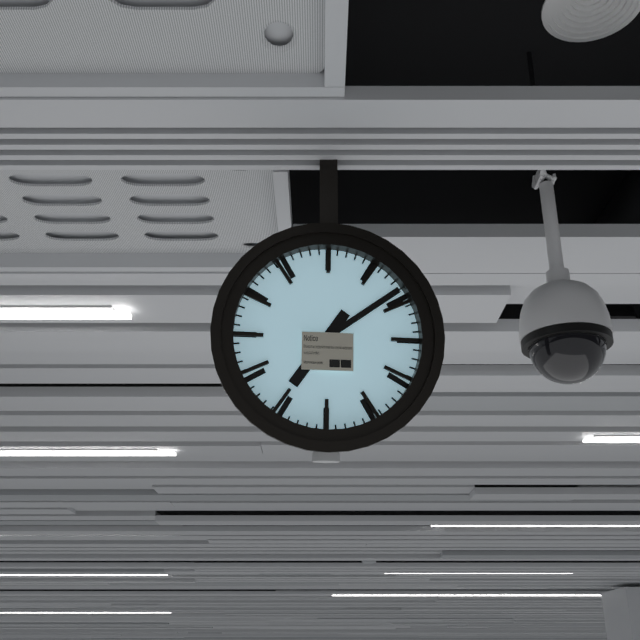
7:09
